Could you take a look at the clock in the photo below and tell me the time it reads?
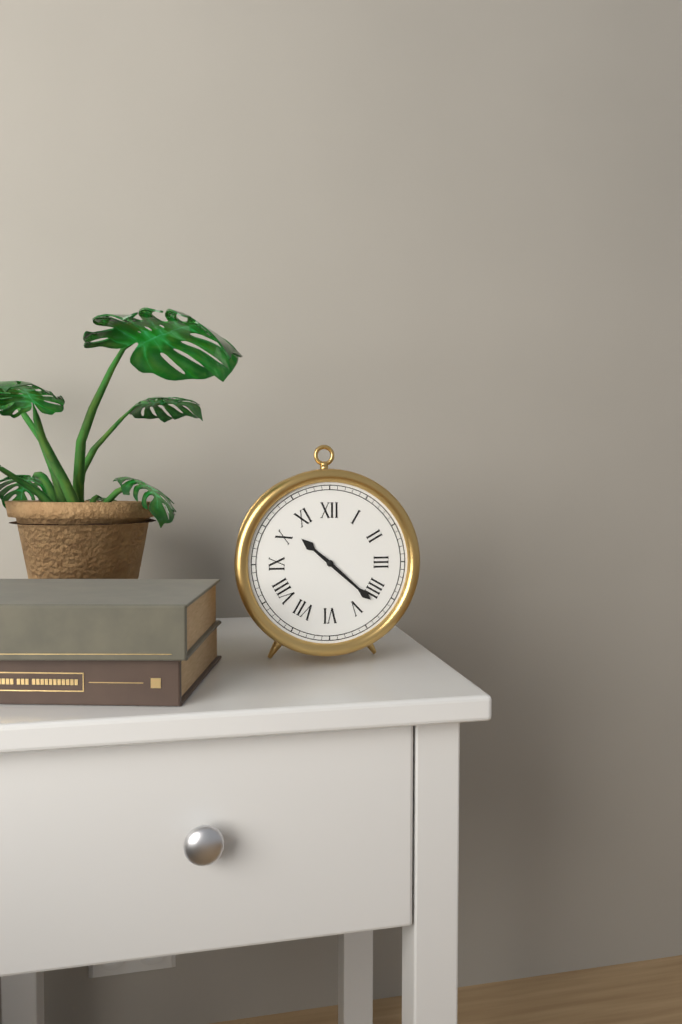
10:22
